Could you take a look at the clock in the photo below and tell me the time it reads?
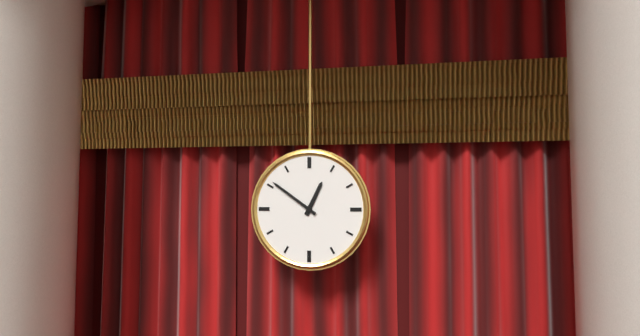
12:51
